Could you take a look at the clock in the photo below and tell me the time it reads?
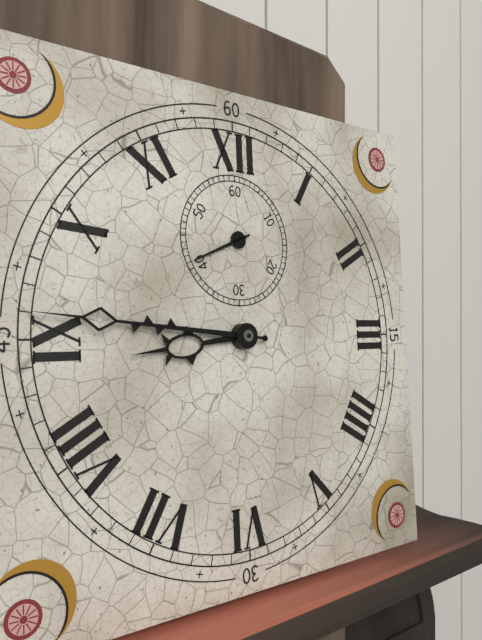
8:46:41
